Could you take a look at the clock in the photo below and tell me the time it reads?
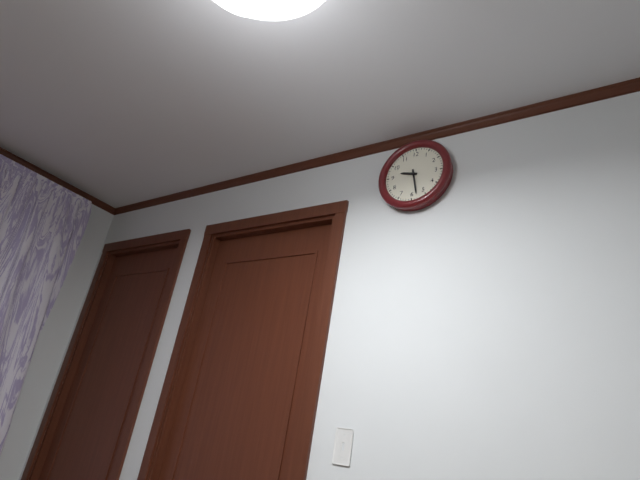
9:28
